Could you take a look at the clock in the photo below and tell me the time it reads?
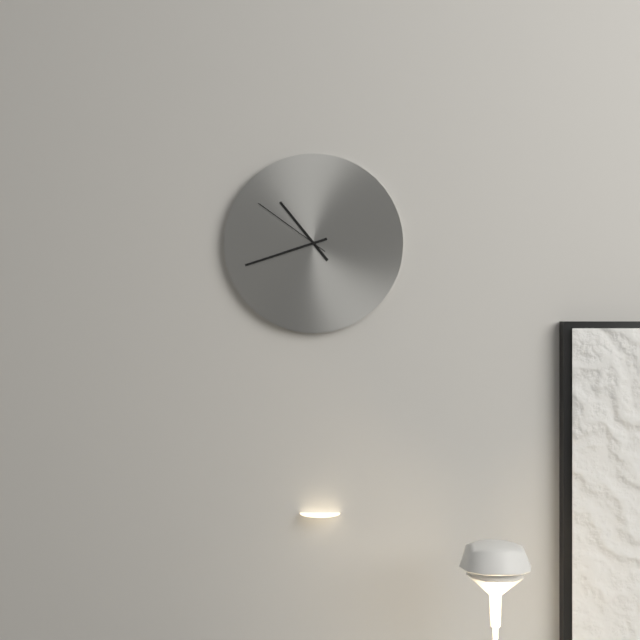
10:42:51
